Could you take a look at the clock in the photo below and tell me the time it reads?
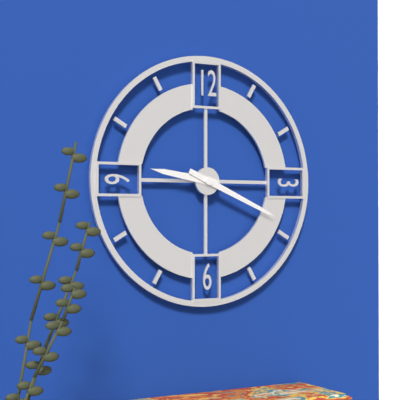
9:19
